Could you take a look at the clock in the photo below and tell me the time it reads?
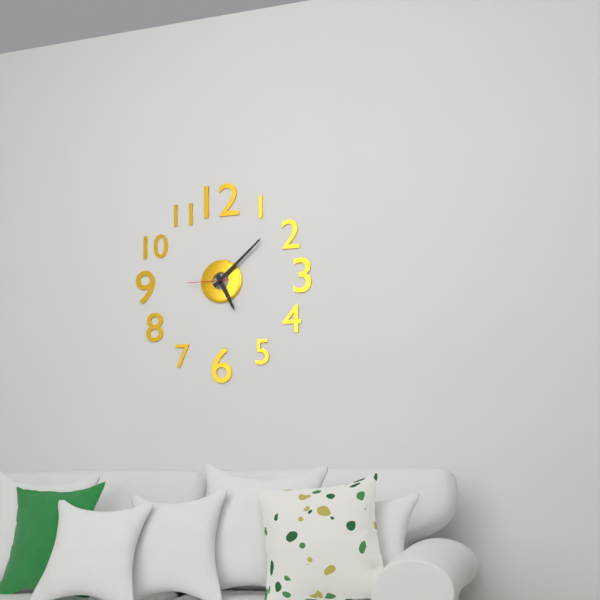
5:08
